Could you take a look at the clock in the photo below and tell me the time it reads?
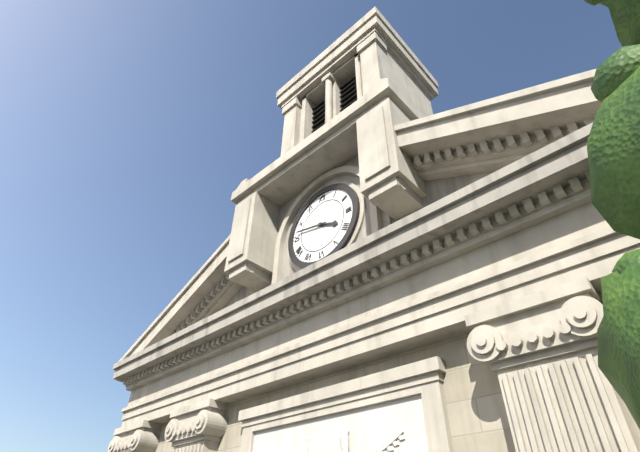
3:47
